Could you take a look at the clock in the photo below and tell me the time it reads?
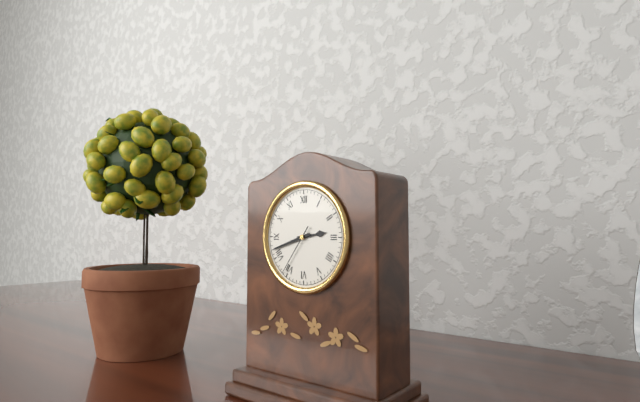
2:42:36
